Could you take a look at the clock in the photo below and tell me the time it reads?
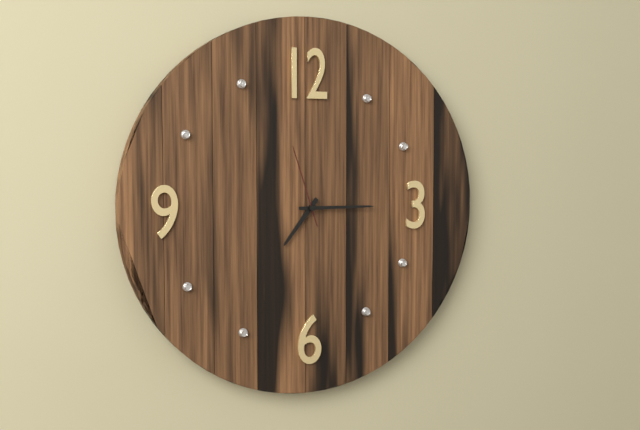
7:15:57
